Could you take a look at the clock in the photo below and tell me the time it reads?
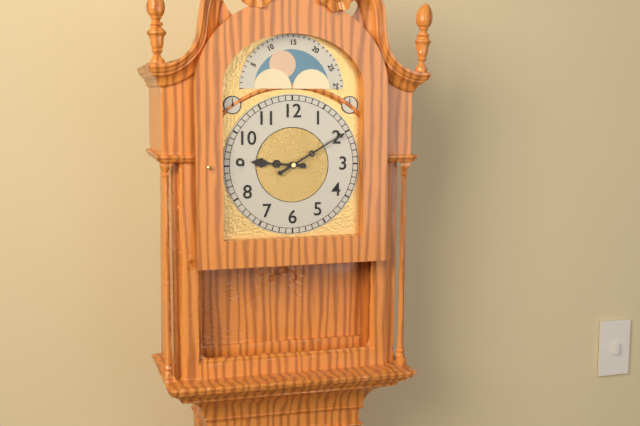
9:10
